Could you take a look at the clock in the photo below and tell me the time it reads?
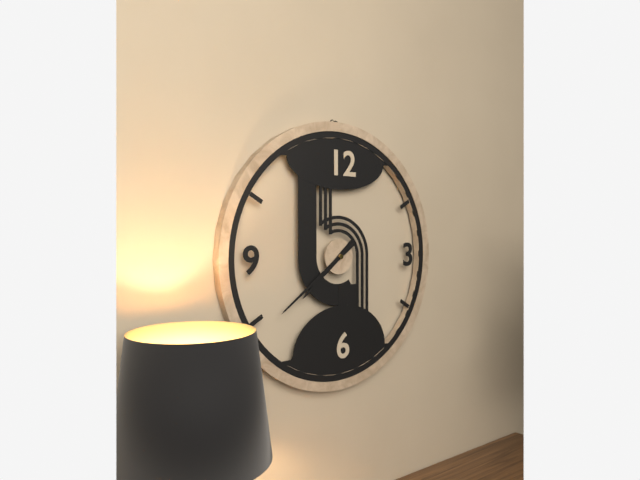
7:39
